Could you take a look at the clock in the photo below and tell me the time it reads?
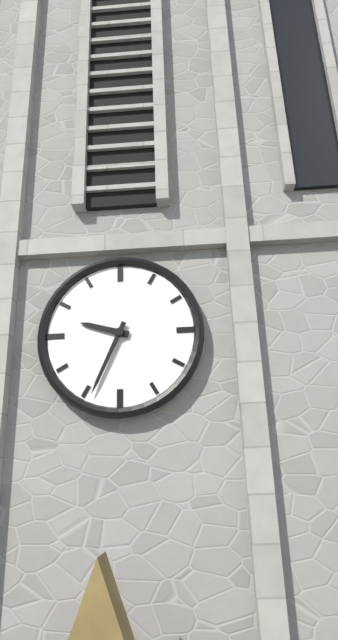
9:34
